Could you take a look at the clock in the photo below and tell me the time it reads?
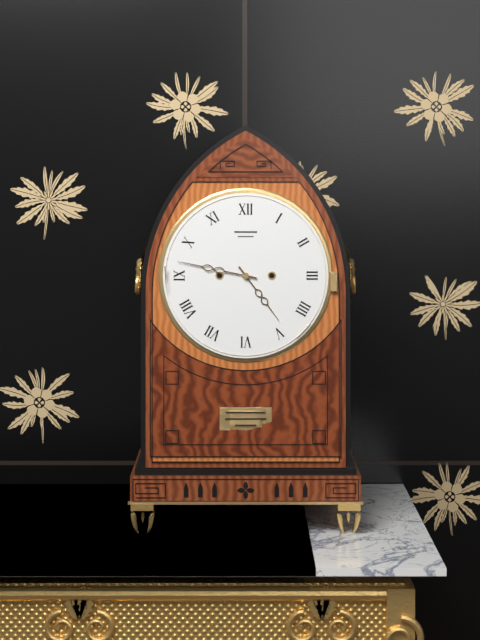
4:47
